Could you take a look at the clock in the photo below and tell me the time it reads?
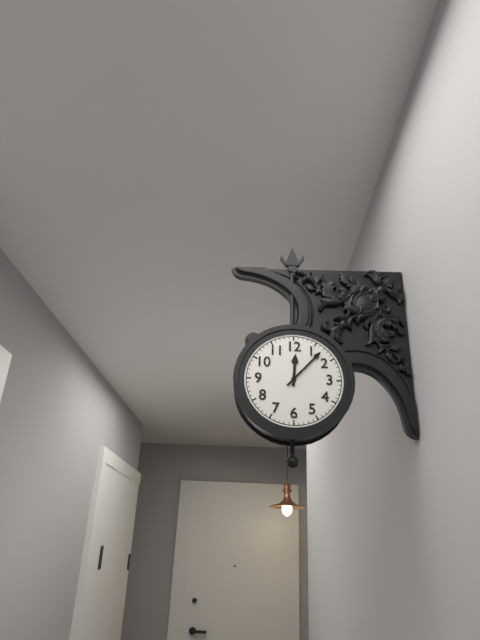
12:07
